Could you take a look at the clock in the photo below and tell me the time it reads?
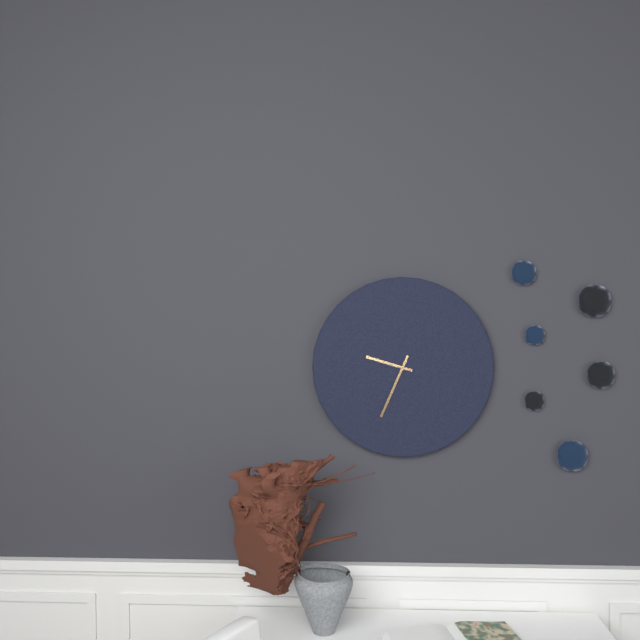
9:34
